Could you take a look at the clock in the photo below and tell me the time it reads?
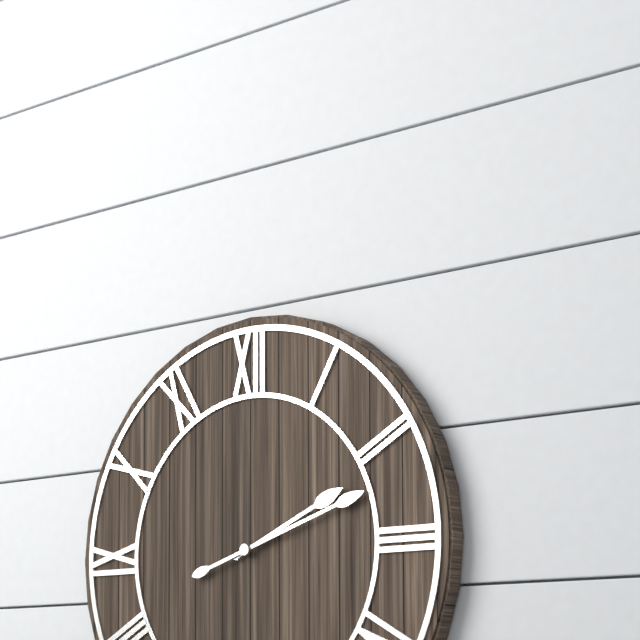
2:12
